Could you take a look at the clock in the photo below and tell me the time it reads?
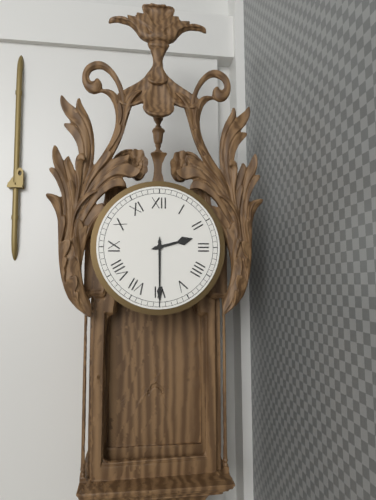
2:30
